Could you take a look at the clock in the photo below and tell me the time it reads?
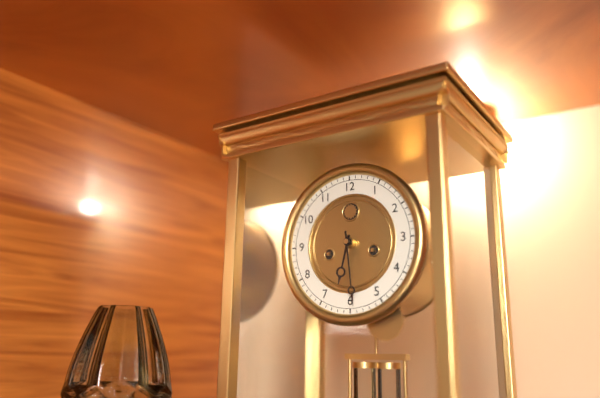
6:29
